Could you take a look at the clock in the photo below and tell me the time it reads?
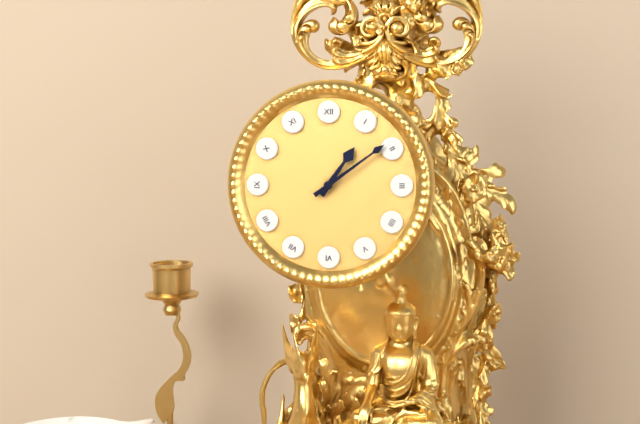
1:09
